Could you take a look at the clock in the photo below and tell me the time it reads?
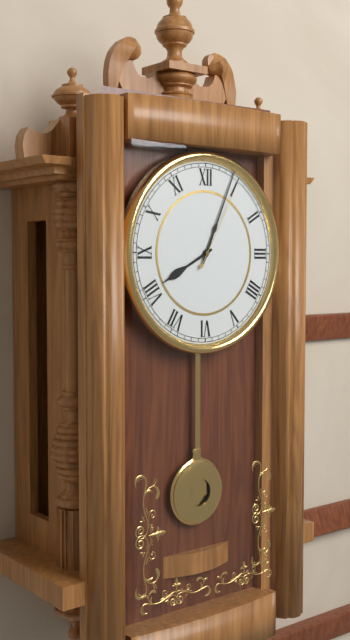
8:04:05
